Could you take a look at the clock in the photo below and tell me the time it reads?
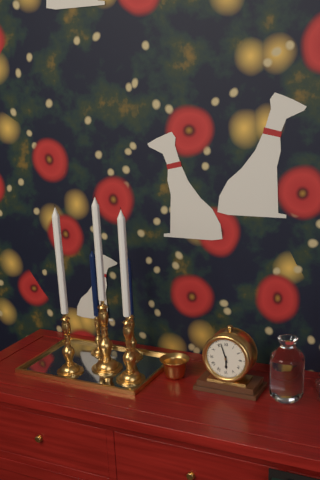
5:57
